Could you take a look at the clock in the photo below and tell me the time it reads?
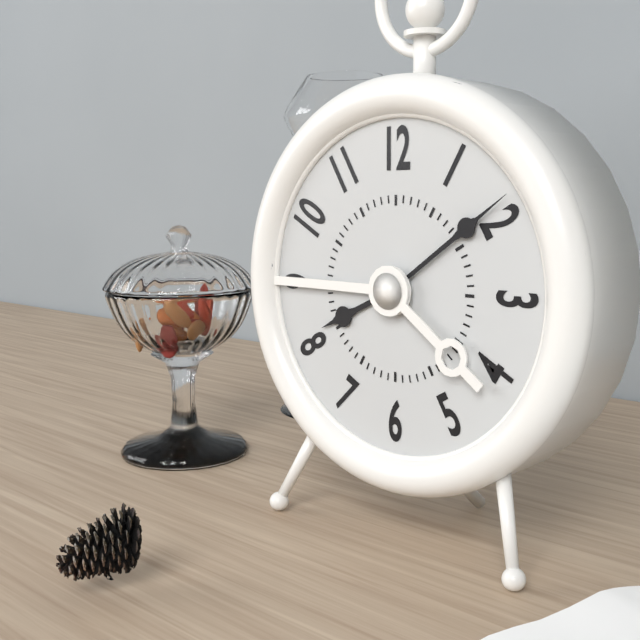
8:09
